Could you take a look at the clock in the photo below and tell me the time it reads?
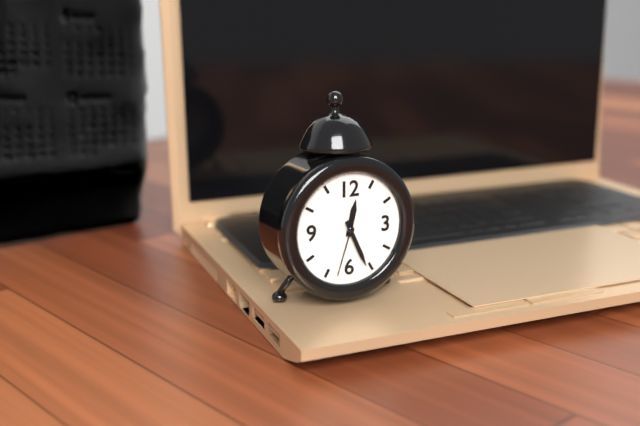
12:26:33
